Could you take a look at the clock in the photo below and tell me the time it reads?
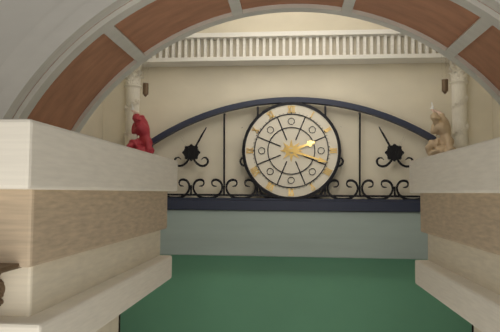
2:18
